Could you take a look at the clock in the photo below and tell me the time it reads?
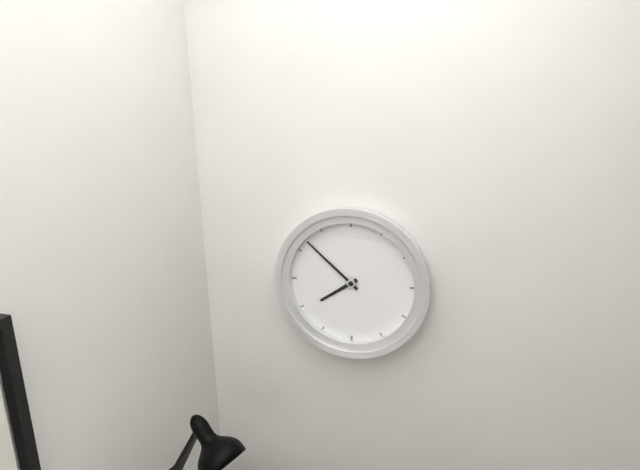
7:52
